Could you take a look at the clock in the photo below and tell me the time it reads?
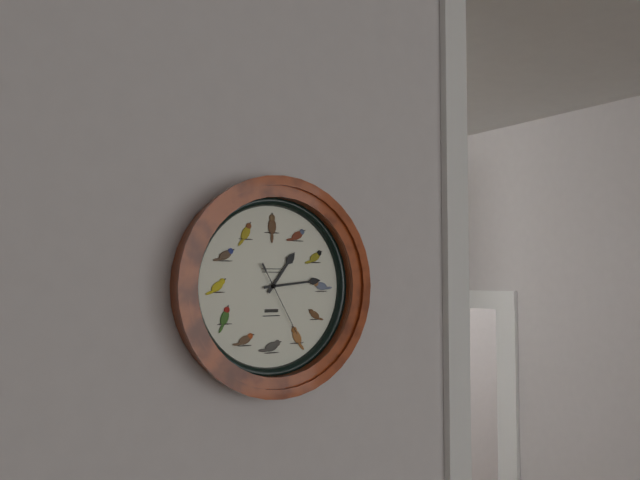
1:14:25
